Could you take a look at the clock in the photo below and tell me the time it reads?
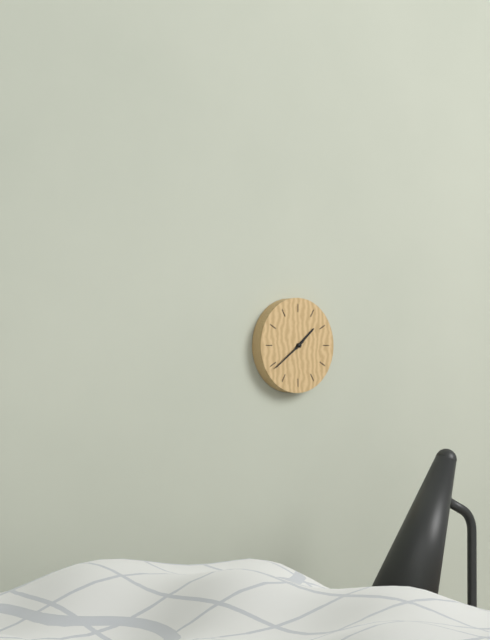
1:39
